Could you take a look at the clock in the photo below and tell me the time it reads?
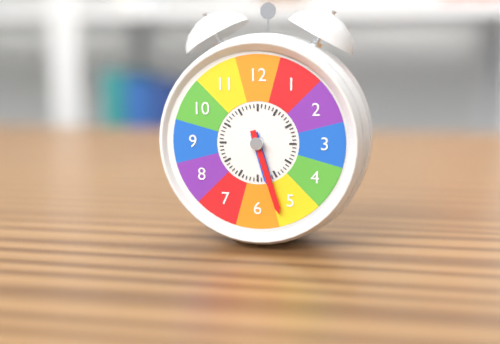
5:27
